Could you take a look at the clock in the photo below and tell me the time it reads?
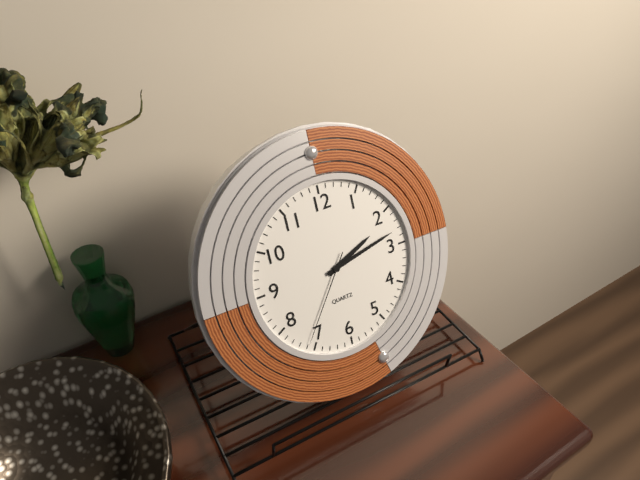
2:13:36
